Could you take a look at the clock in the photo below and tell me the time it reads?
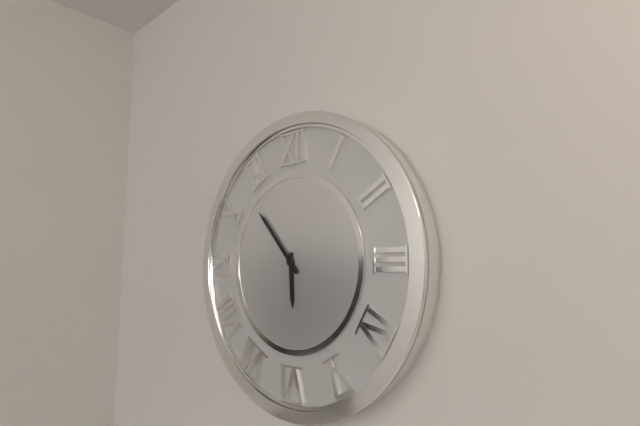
5:53
